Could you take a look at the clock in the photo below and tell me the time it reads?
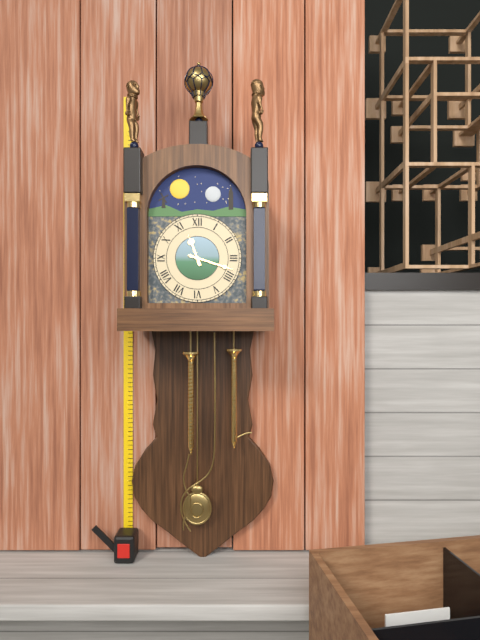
11:18
